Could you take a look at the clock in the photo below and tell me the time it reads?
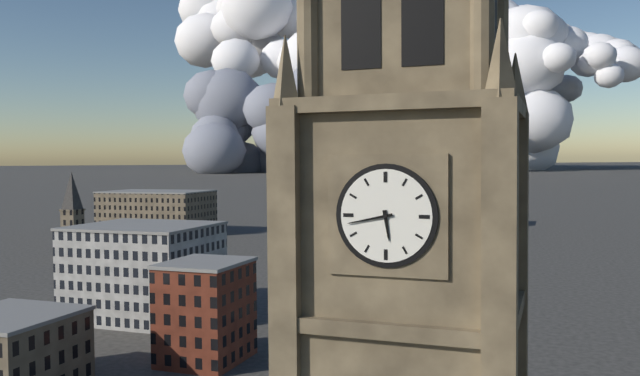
5:43
